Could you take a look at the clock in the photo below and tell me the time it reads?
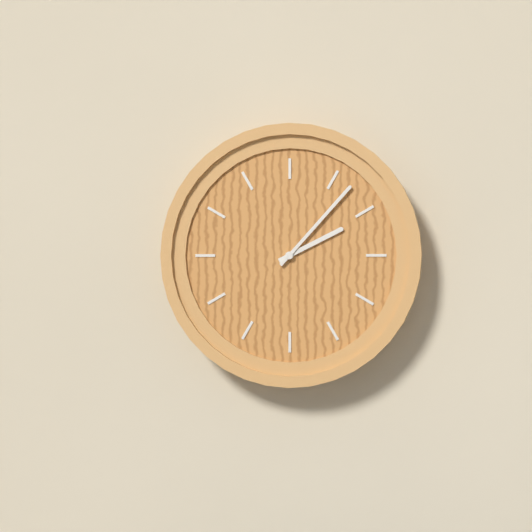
2:07
